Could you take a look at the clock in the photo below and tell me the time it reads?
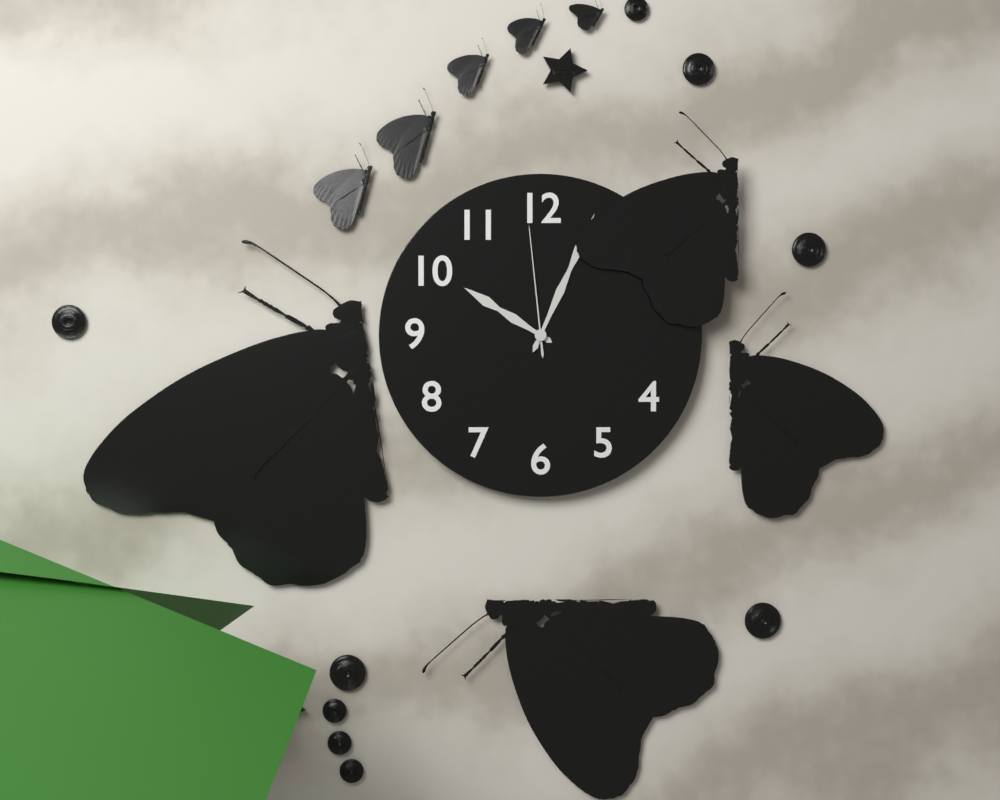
10:04:59
